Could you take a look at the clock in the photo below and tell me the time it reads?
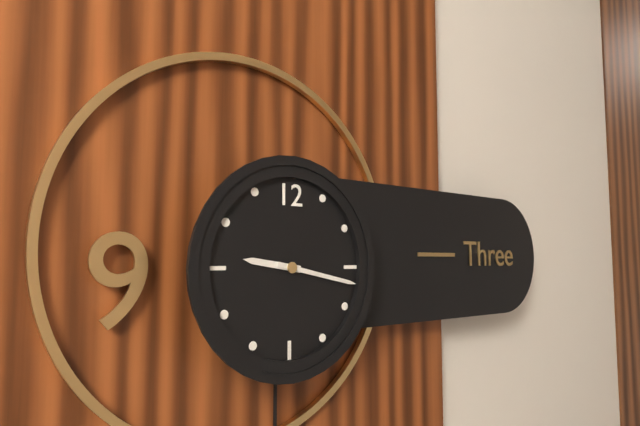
9:17
